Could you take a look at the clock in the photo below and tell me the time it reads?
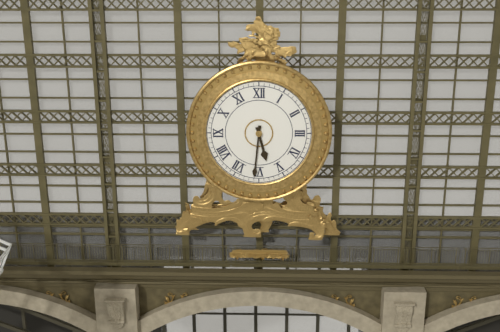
5:31
